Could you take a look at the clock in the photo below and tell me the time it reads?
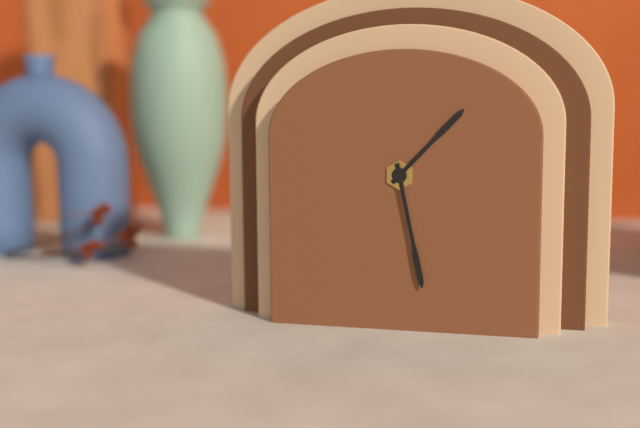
1:28
